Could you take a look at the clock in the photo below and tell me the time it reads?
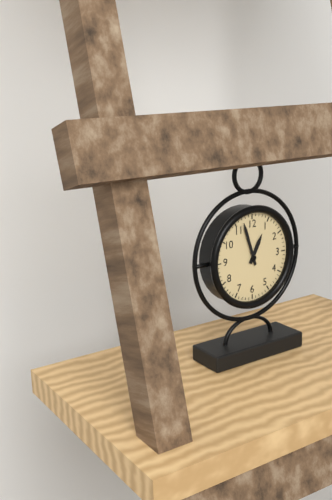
12:57
